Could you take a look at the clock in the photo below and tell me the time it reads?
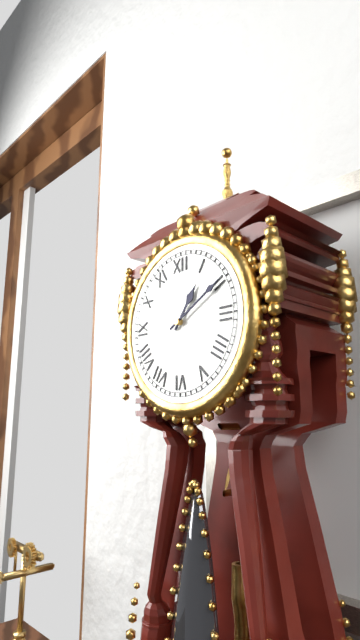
1:10
